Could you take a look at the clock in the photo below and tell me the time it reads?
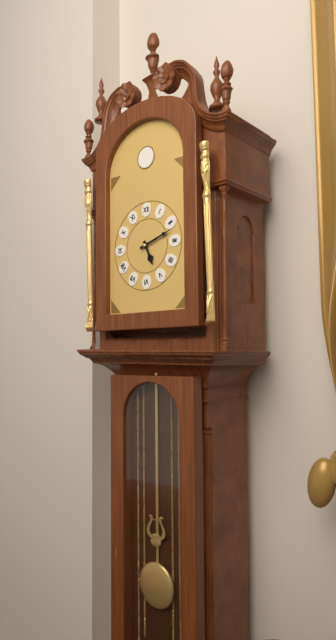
5:12
